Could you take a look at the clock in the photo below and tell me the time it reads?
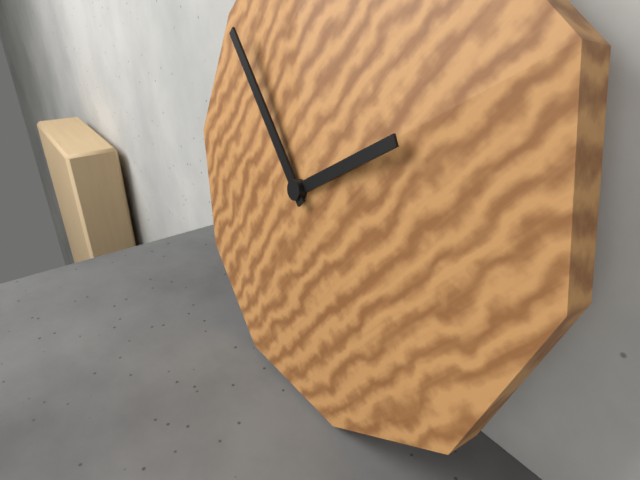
1:52
